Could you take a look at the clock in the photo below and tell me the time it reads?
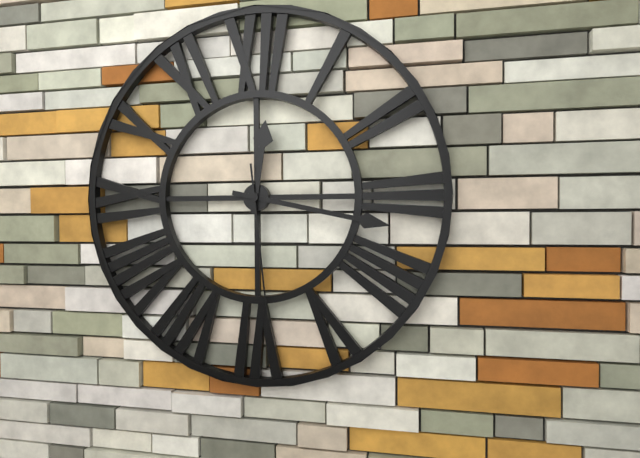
12:17:29
